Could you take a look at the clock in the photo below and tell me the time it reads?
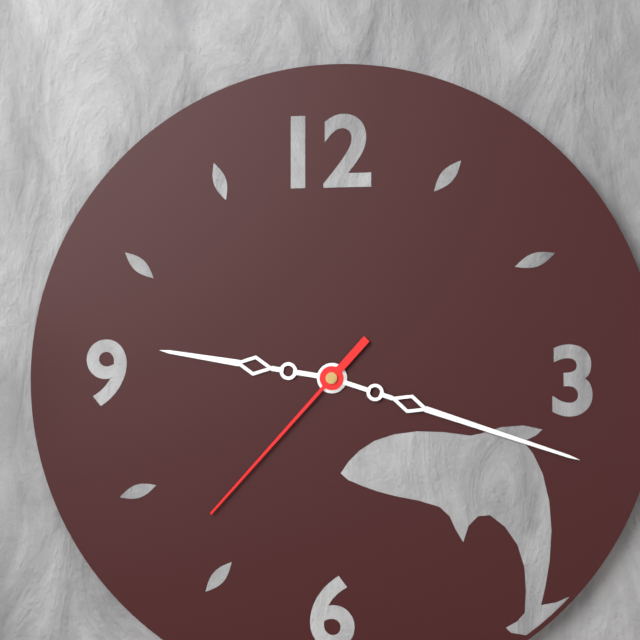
9:18:37
